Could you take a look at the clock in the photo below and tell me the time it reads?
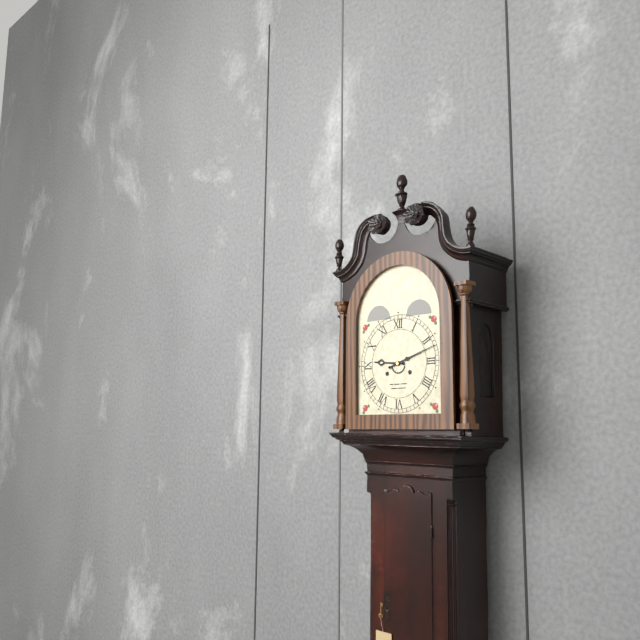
9:12
